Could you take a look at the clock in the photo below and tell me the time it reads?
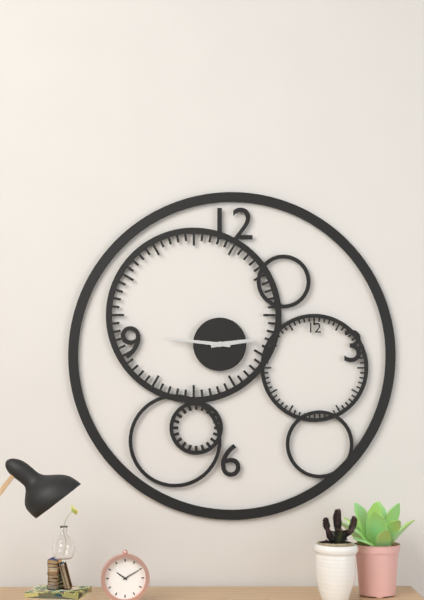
2:46
